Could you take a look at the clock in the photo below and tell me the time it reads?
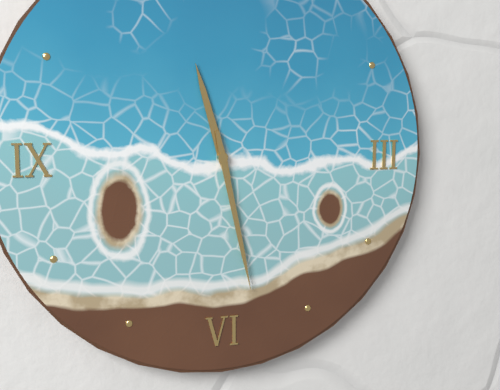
11:28
